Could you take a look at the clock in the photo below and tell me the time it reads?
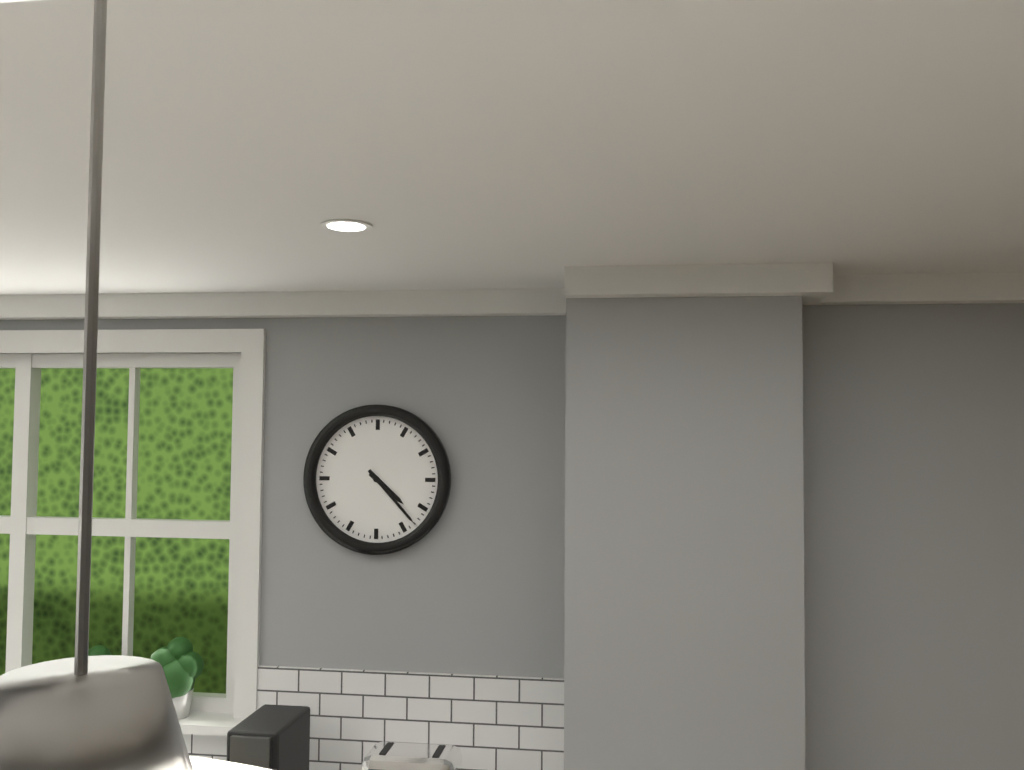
4:23
